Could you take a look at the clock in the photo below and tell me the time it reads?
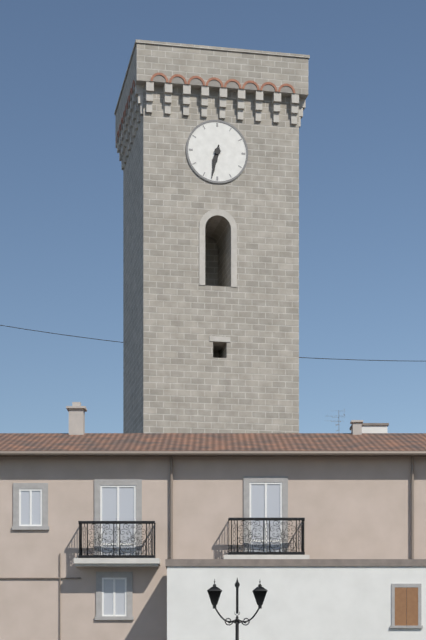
6:32
